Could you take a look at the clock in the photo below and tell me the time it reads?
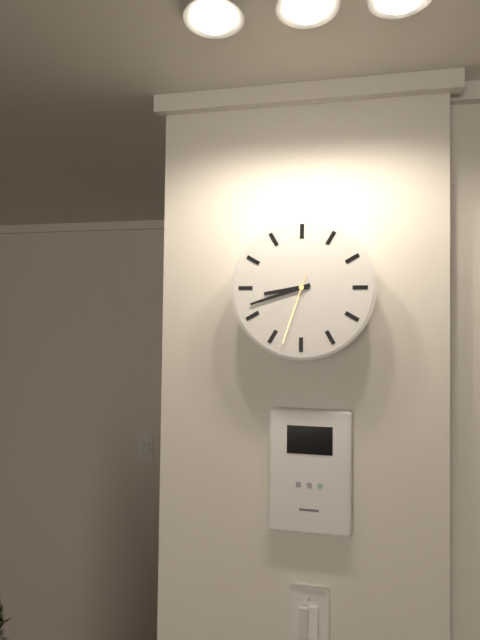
8:42:33
